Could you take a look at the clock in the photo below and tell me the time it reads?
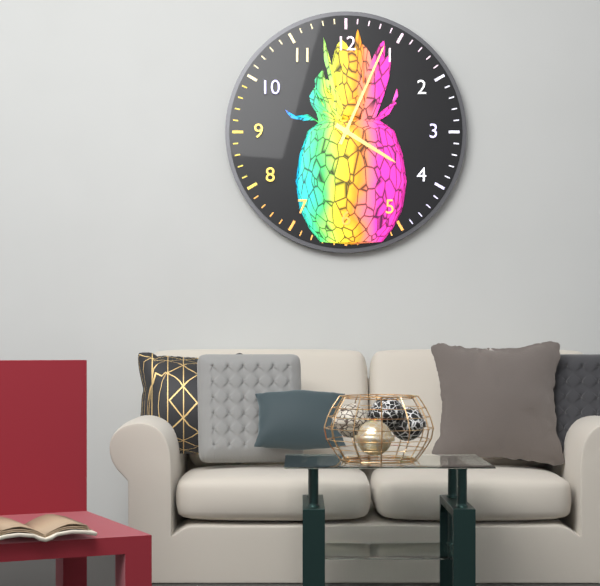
4:04
